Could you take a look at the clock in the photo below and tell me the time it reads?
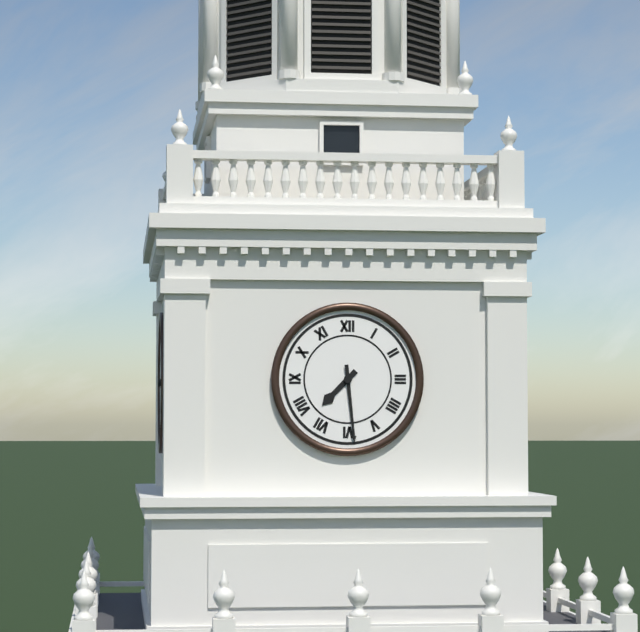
7:29
